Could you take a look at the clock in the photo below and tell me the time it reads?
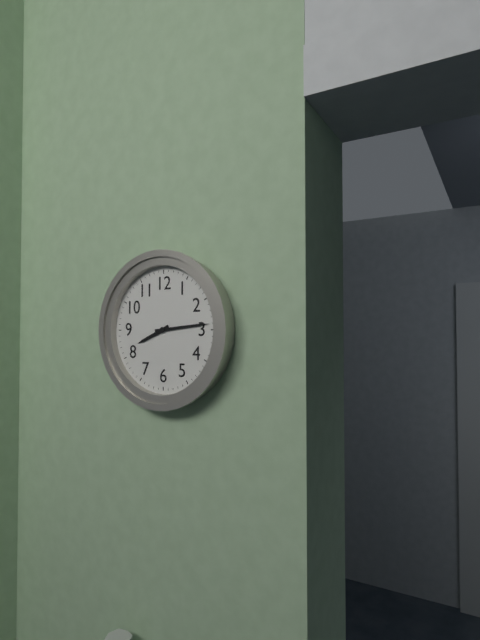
8:14
